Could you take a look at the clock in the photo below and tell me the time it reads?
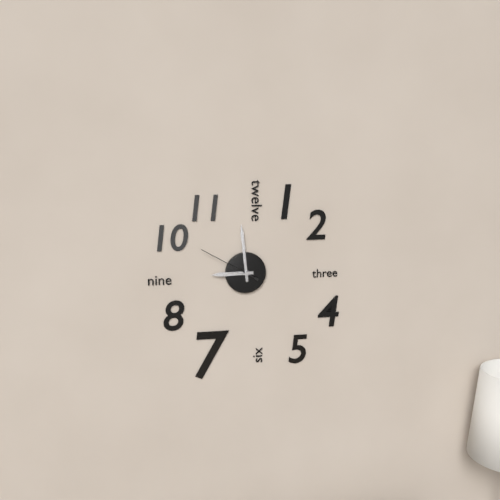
8:59:50
